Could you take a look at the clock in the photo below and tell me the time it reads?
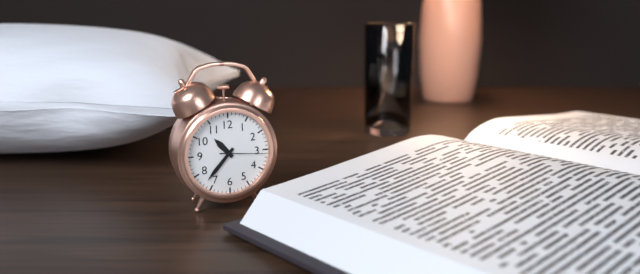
10:37
